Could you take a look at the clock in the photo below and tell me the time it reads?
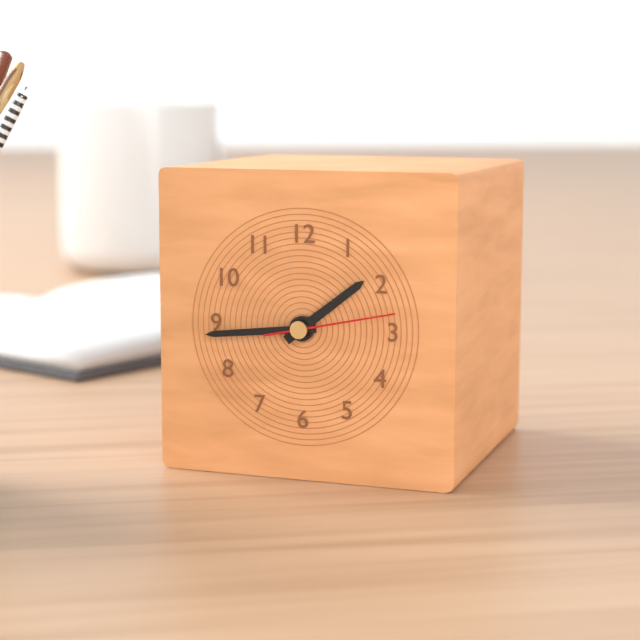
1:44:13
